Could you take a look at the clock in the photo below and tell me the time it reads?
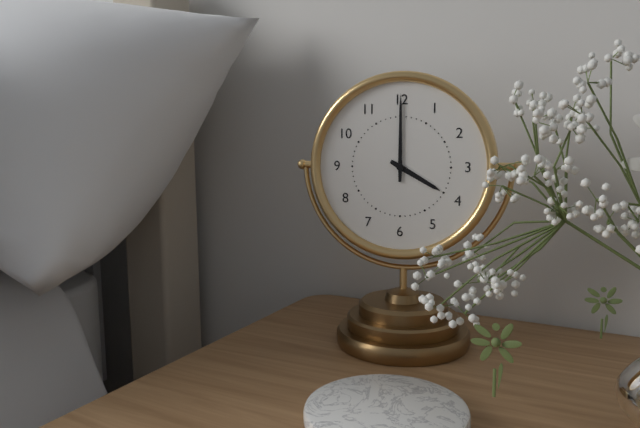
4:00
